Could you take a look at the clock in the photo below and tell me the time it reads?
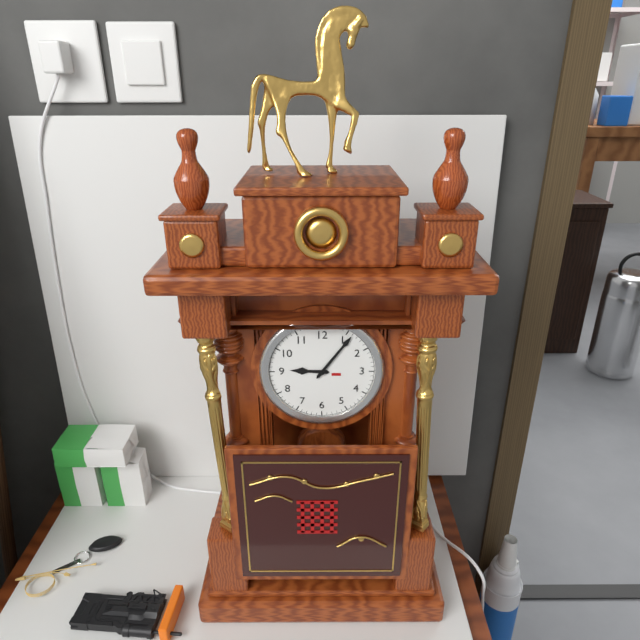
9:06
